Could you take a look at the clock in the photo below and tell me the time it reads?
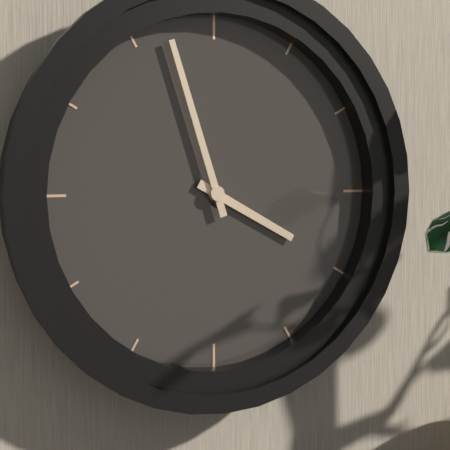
3:57
